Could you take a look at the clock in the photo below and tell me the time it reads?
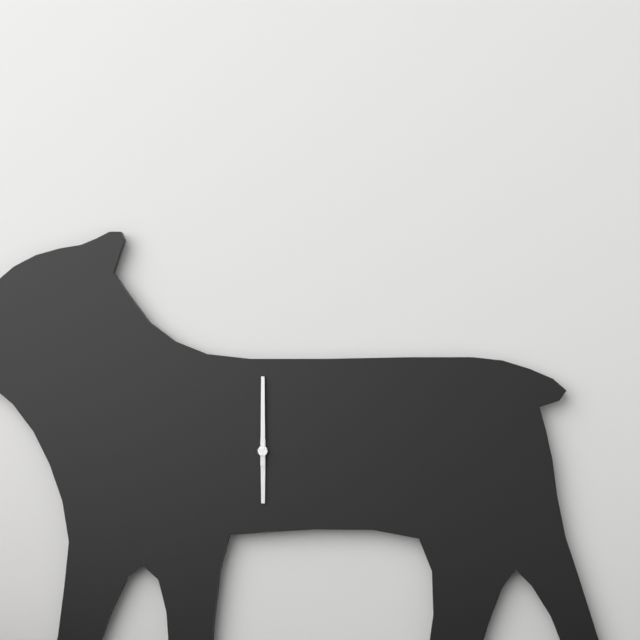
6:00
